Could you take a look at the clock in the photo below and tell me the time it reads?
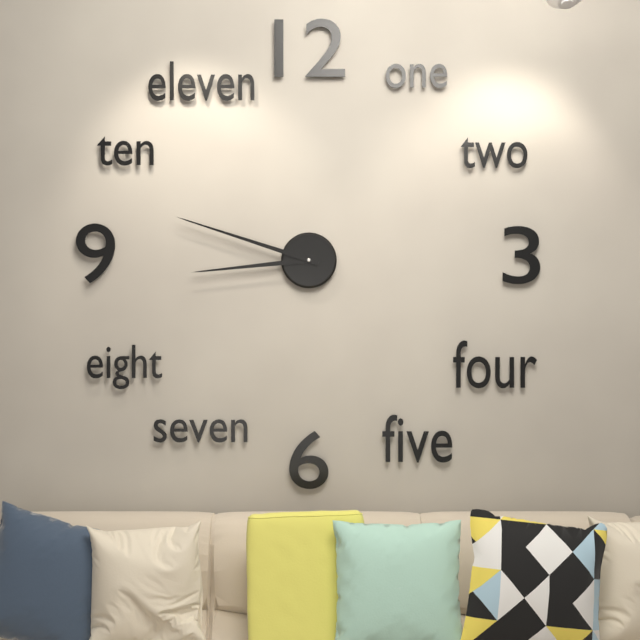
8:48
